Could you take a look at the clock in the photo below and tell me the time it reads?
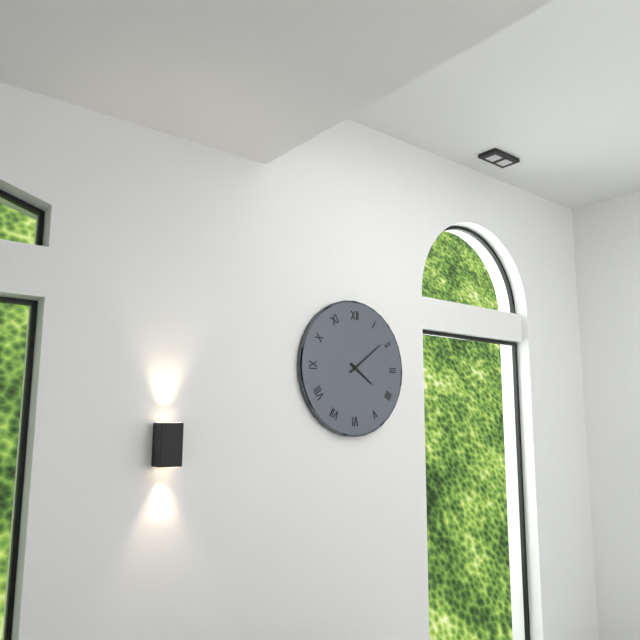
4:09
